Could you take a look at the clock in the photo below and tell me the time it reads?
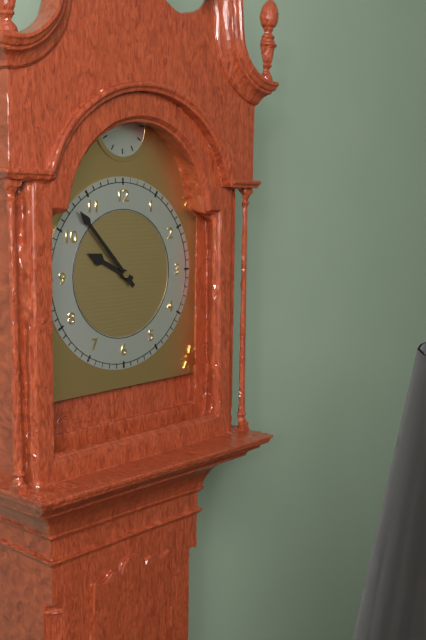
9:53
